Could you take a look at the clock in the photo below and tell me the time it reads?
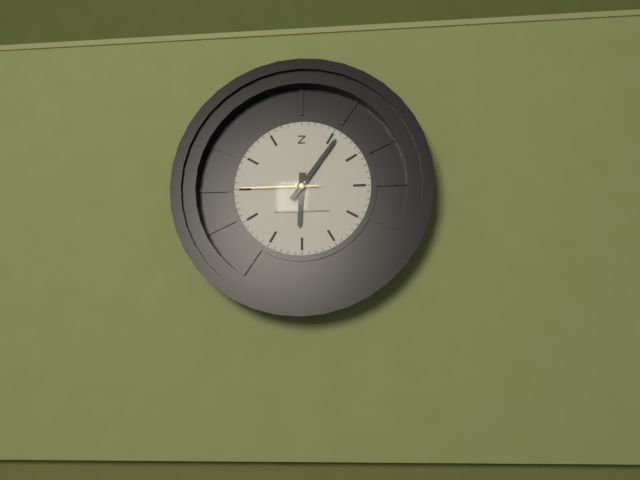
6:06:45
